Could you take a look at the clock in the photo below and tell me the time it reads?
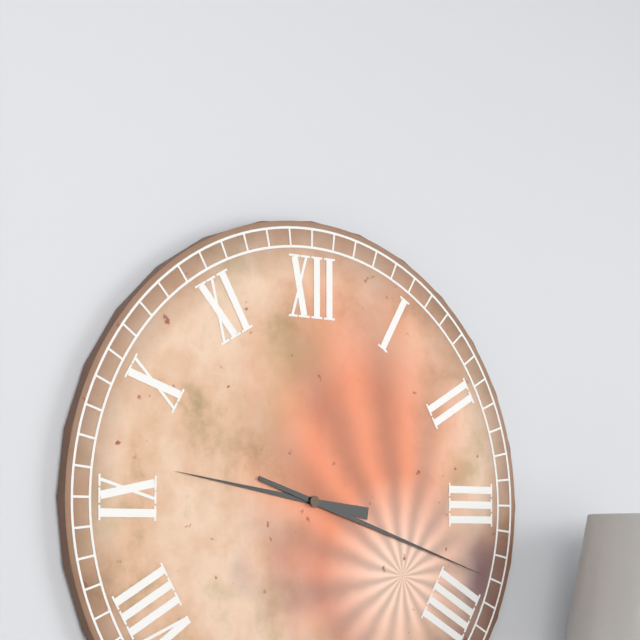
9:18
